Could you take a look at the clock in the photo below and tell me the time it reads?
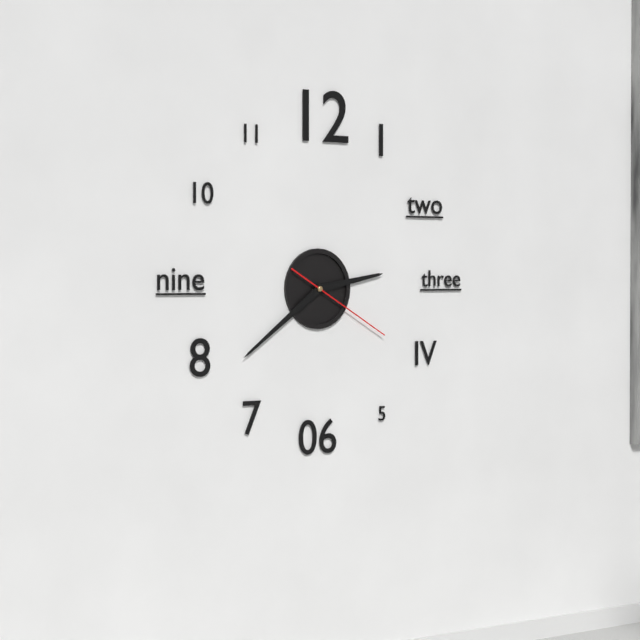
2:39:20
